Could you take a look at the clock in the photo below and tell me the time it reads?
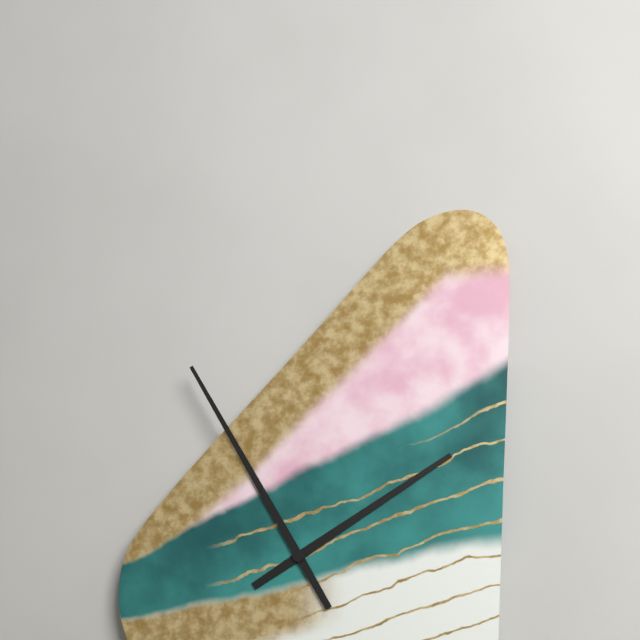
1:55
